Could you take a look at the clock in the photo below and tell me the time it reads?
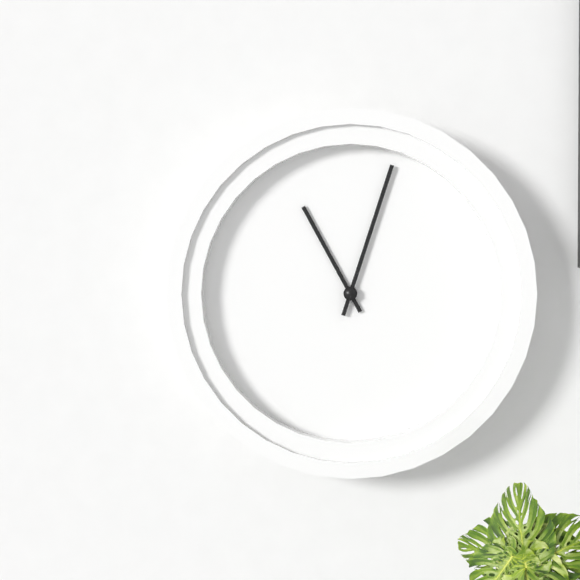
11:03
